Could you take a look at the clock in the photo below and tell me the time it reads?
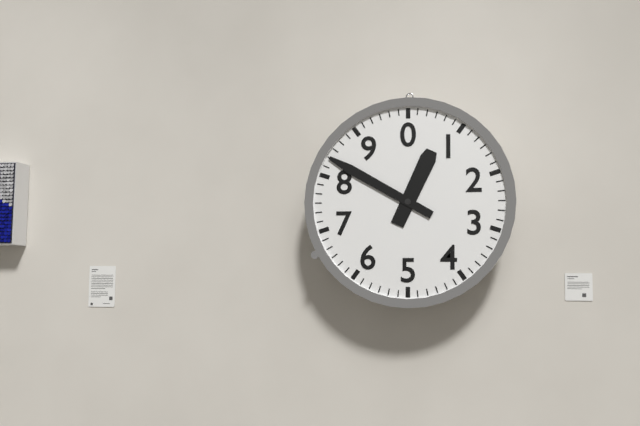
12:50
